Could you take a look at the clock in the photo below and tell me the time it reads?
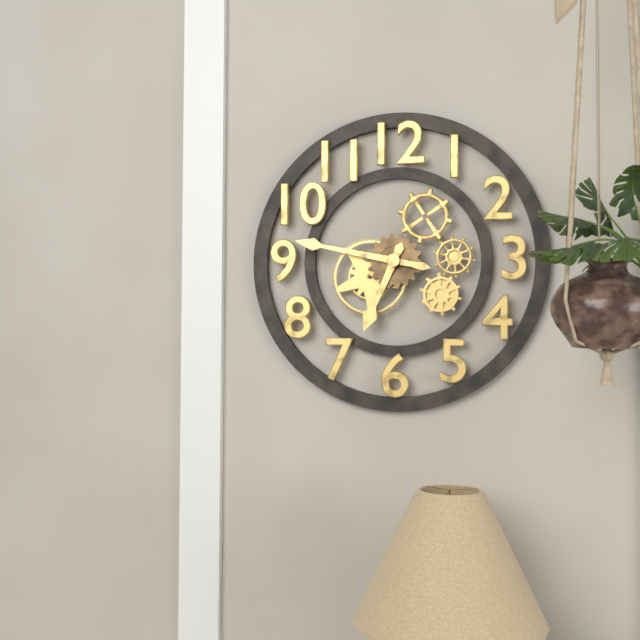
6:47
